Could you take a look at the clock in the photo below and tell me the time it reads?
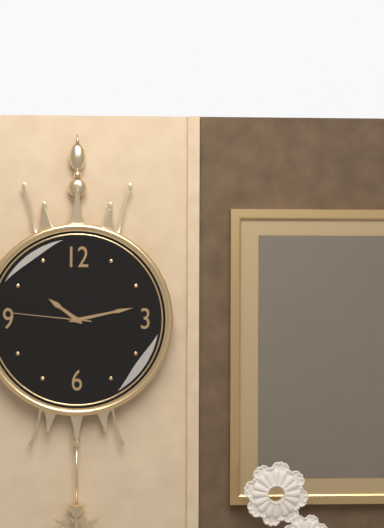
10:13:46
